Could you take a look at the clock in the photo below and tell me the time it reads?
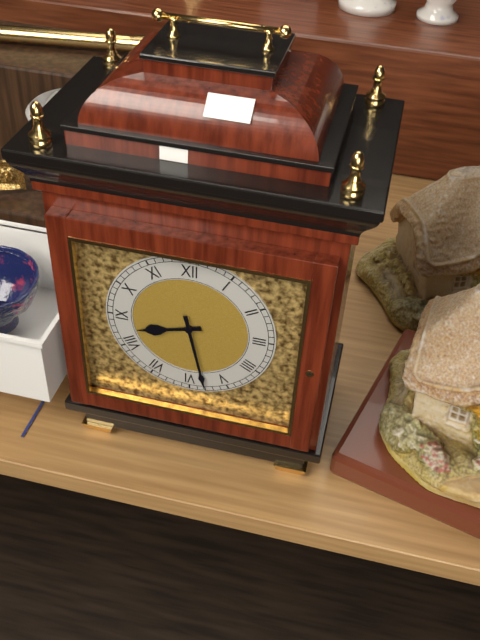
8:28
